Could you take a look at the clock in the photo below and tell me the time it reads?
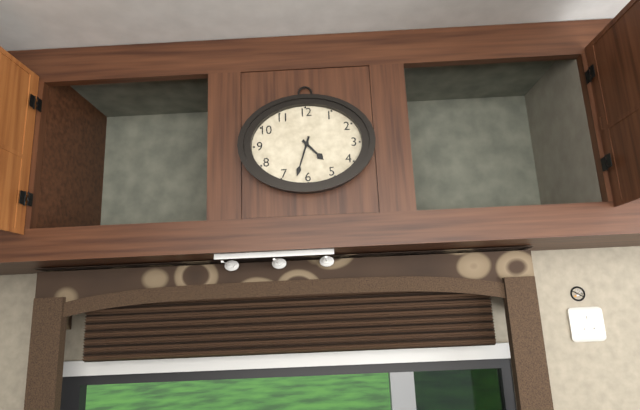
4:33
